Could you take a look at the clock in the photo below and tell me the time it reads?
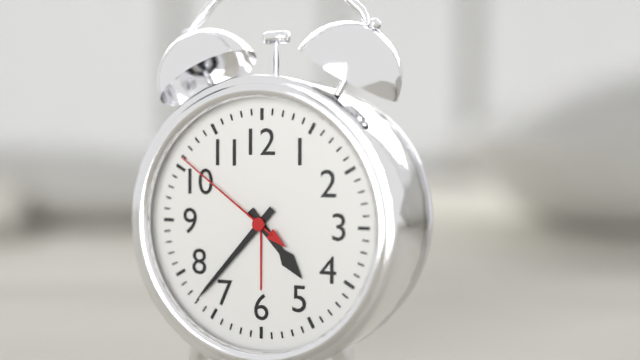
4:37:51
